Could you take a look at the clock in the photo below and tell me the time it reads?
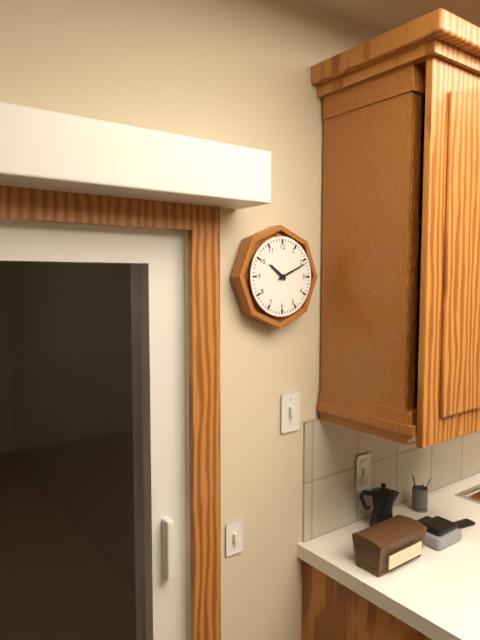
10:11
